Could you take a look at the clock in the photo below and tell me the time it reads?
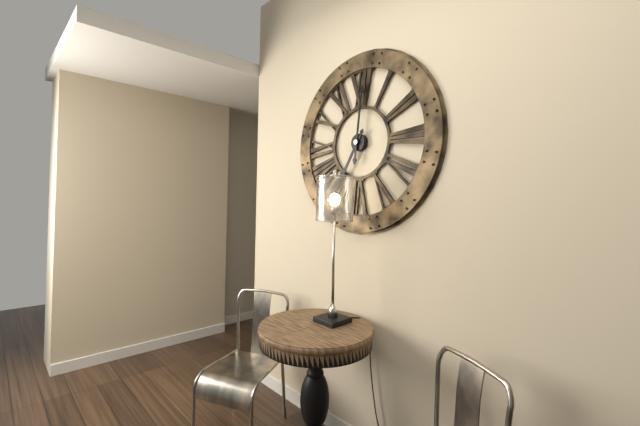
7:01
